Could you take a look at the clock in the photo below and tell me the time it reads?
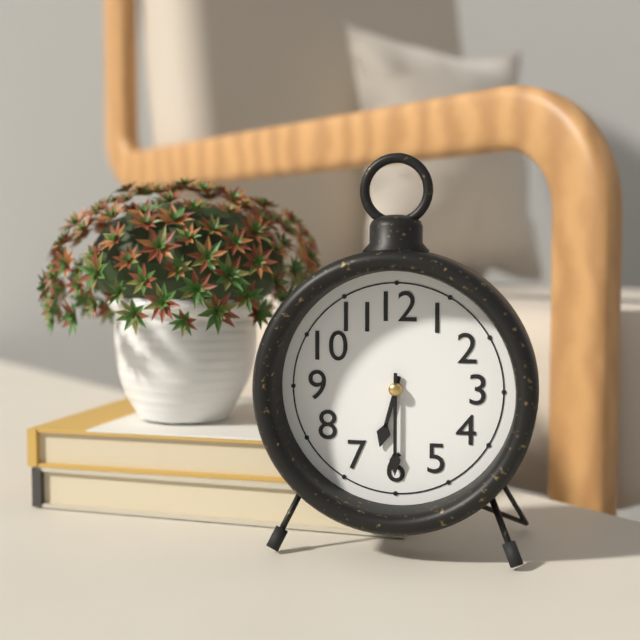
6:30
